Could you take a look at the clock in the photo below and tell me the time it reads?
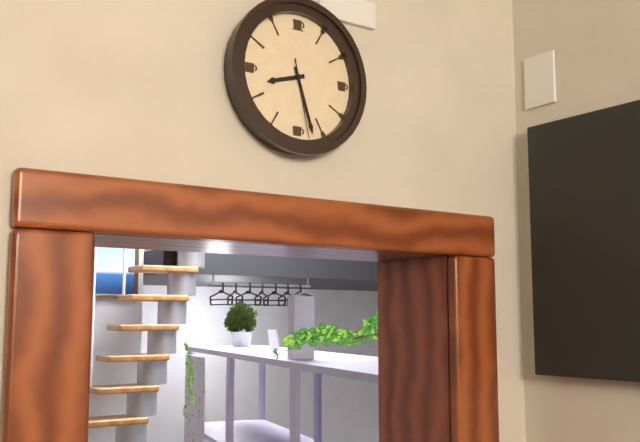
8:27:28
